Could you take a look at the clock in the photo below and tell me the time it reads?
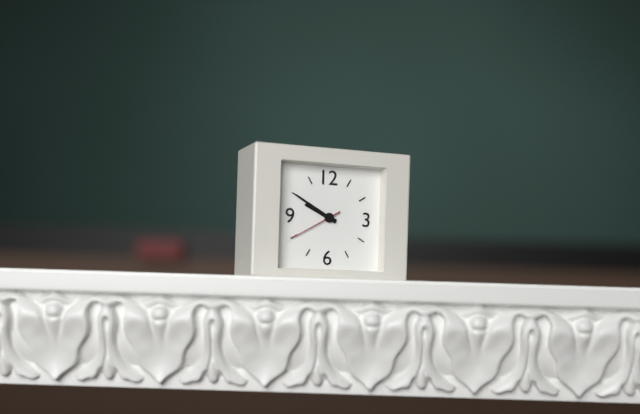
9:50:40
